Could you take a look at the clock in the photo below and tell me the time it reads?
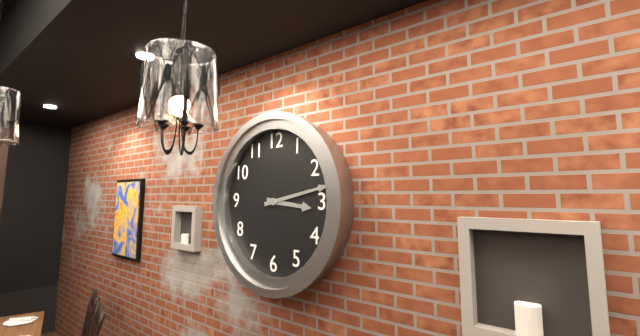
3:13
